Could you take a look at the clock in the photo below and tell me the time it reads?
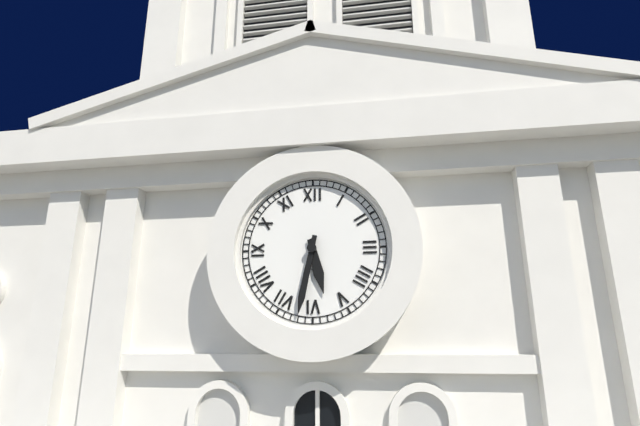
5:32
